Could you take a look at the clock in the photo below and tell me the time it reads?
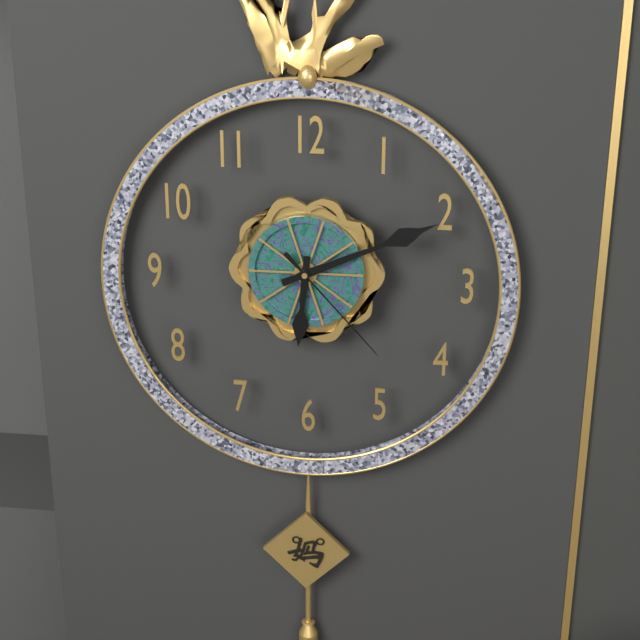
6:11:23
